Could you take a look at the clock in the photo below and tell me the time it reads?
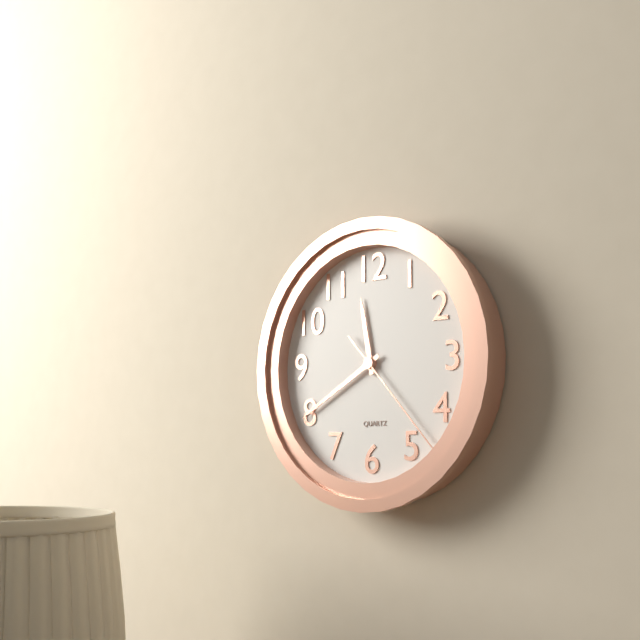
11:40:23
